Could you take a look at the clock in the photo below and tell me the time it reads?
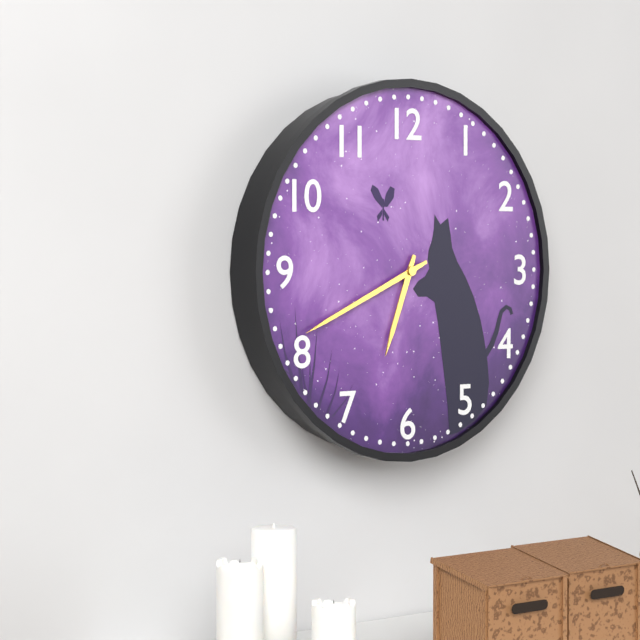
6:41
